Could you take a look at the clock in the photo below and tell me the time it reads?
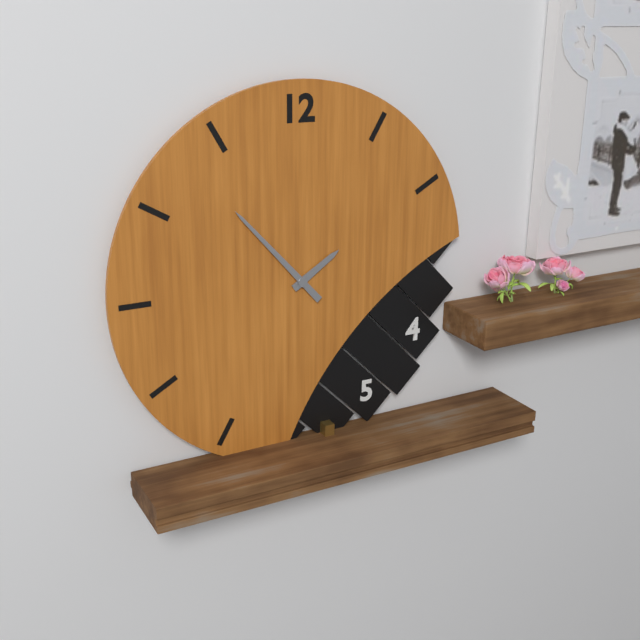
1:53
